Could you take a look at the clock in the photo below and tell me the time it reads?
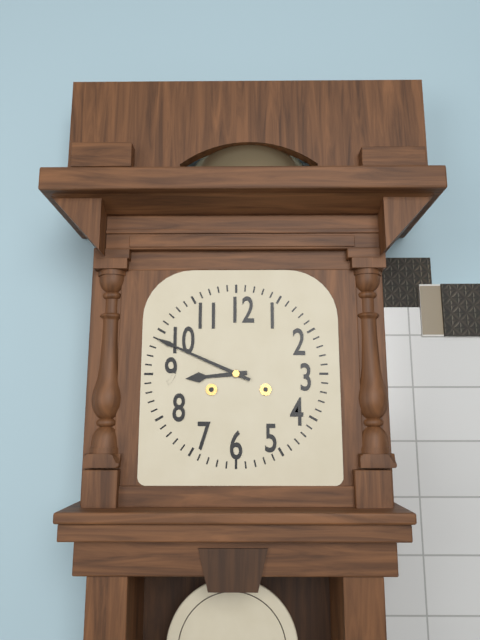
8:49
